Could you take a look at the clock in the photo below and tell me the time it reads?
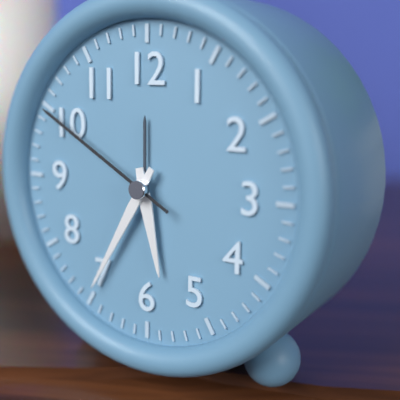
5:35:50
